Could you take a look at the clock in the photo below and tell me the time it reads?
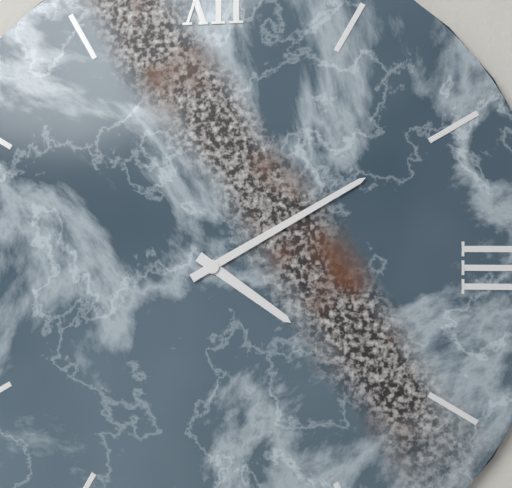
4:10
